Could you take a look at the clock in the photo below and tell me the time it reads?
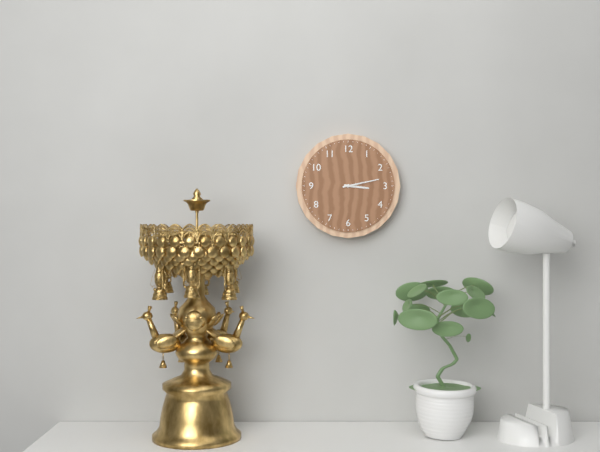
3:13
